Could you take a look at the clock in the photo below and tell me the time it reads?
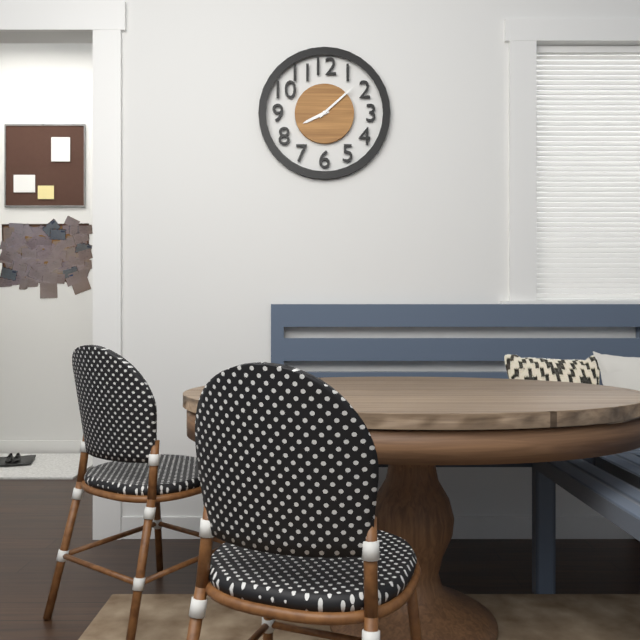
8:08
